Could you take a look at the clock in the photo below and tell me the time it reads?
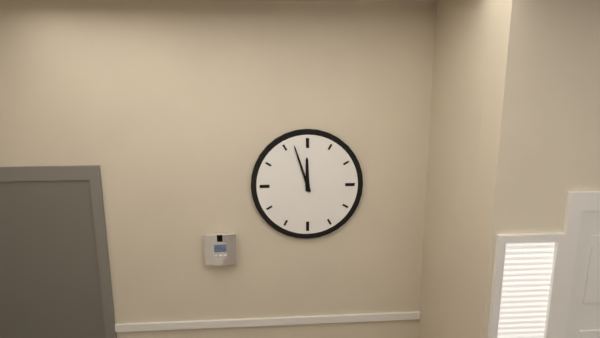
11:57
